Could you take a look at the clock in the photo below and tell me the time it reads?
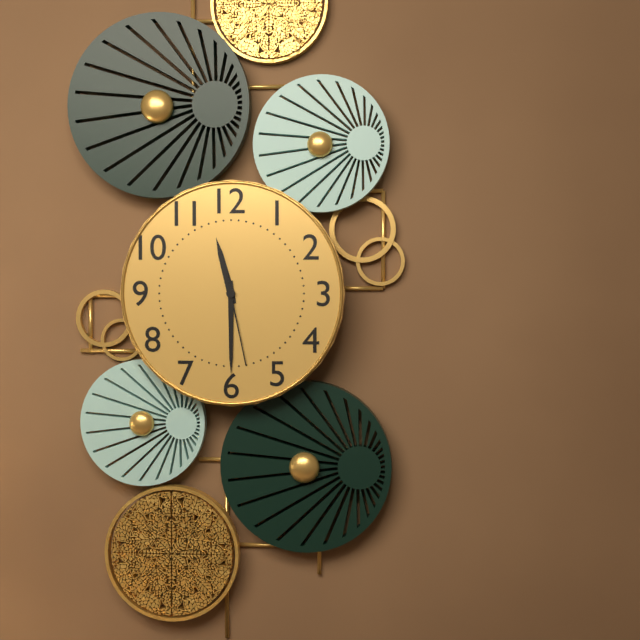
11:30:28
